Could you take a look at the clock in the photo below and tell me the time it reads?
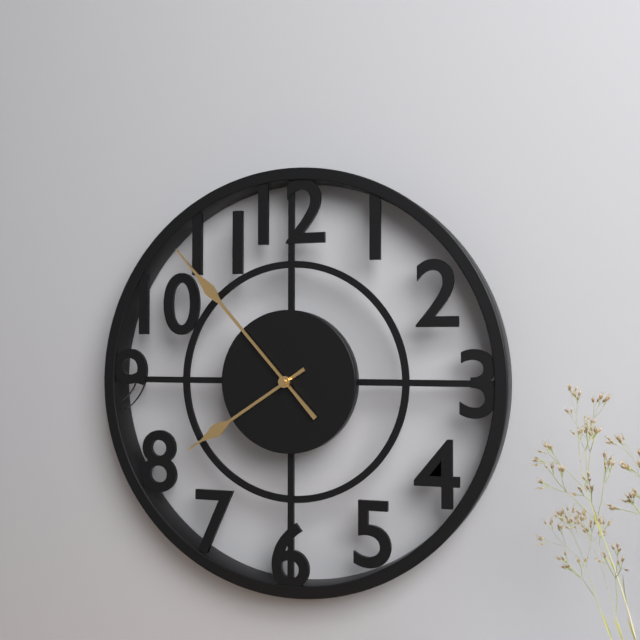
7:53
